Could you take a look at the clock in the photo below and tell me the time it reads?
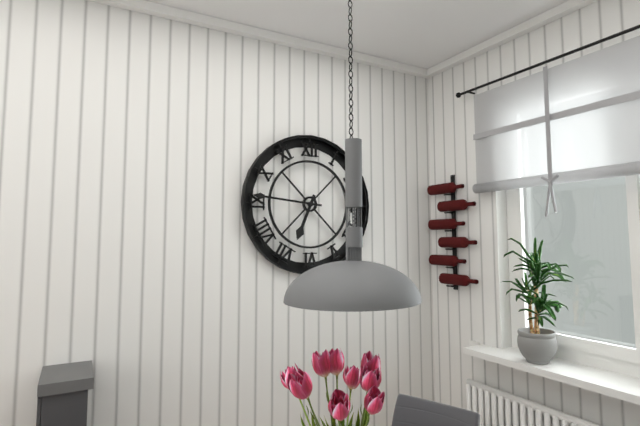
6:46
